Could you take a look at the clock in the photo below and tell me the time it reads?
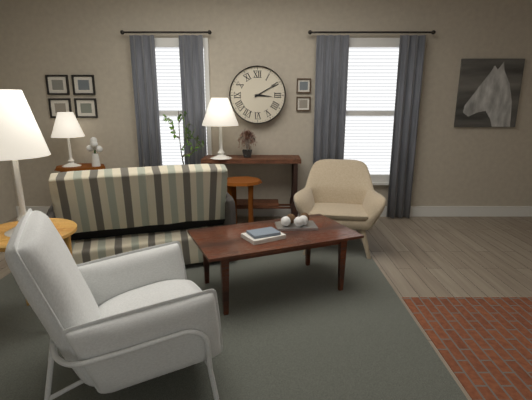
3:10
